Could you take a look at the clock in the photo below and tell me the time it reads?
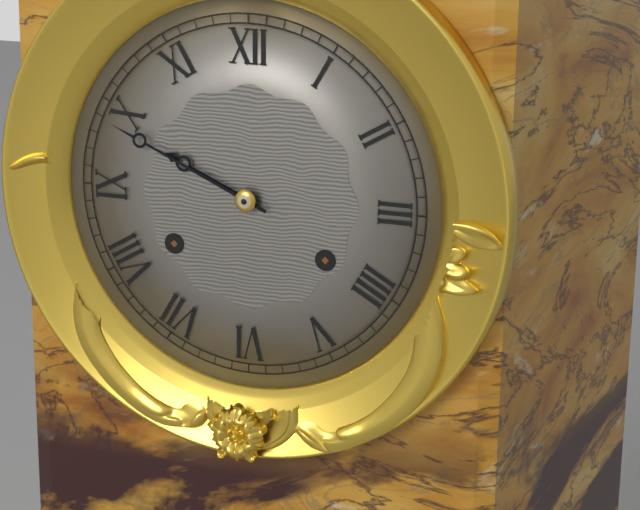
9:49
